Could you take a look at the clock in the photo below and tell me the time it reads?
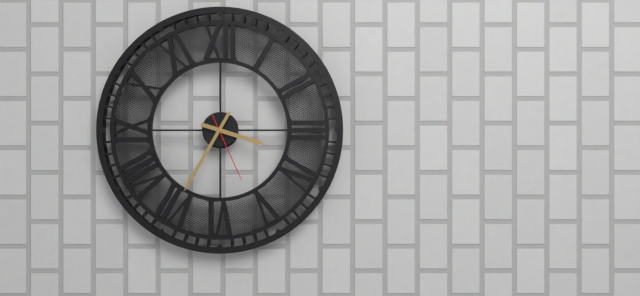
3:35:26
